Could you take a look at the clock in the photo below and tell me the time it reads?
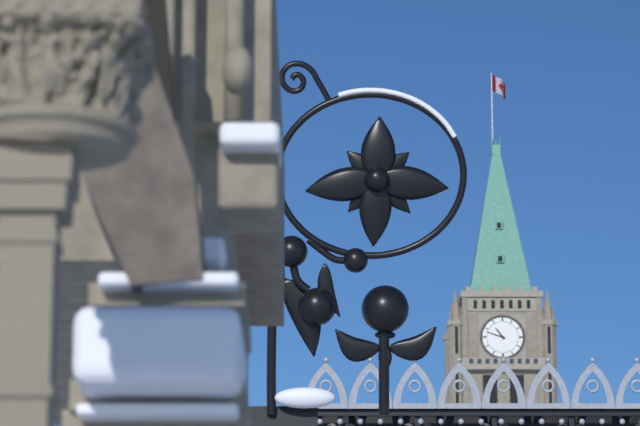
10:48
